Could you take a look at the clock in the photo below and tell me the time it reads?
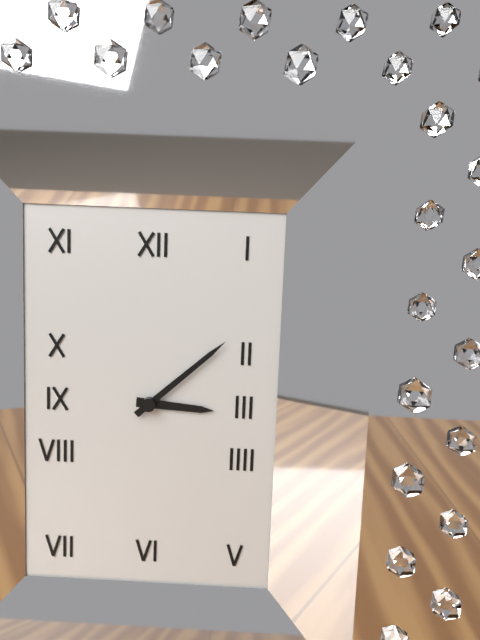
3:08
